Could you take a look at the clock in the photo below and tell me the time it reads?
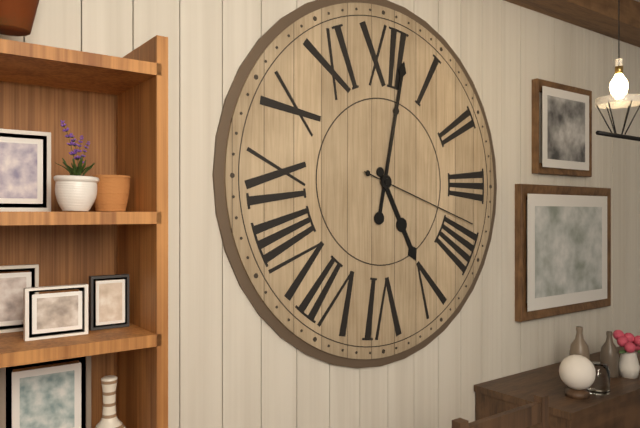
5:02:18
